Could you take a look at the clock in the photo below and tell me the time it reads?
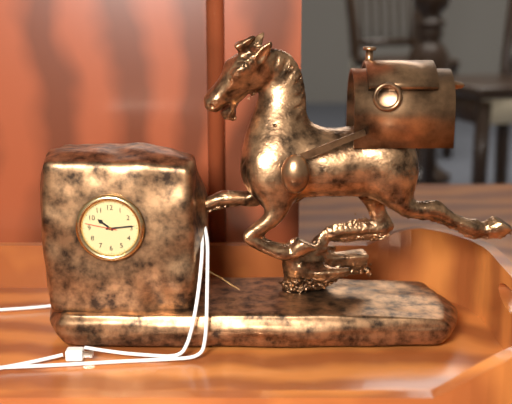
10:14
